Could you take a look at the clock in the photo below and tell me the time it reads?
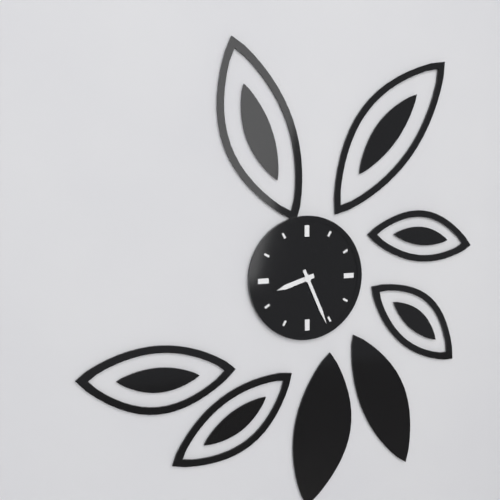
8:26
